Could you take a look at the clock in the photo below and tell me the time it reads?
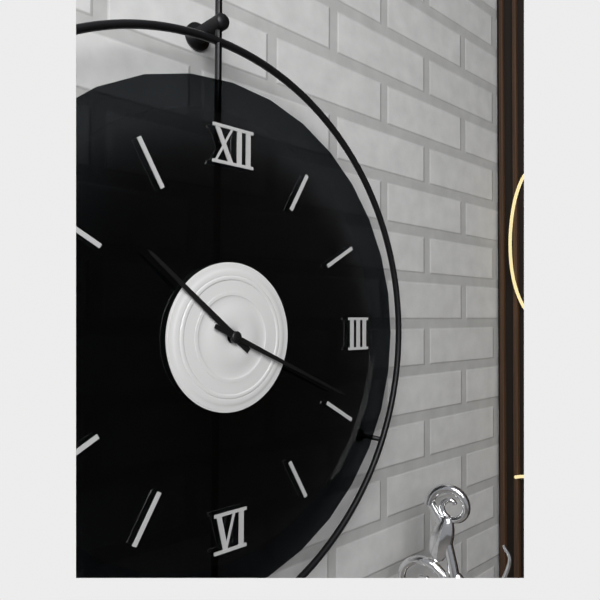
10:19
